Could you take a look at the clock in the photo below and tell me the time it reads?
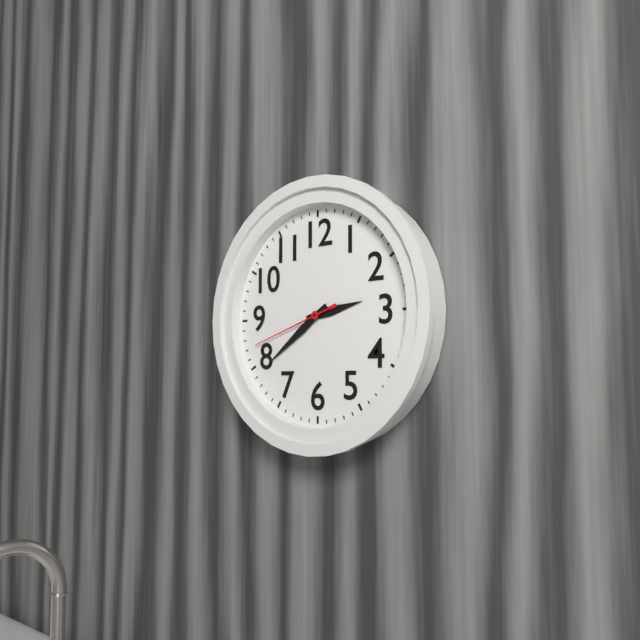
2:39:42
